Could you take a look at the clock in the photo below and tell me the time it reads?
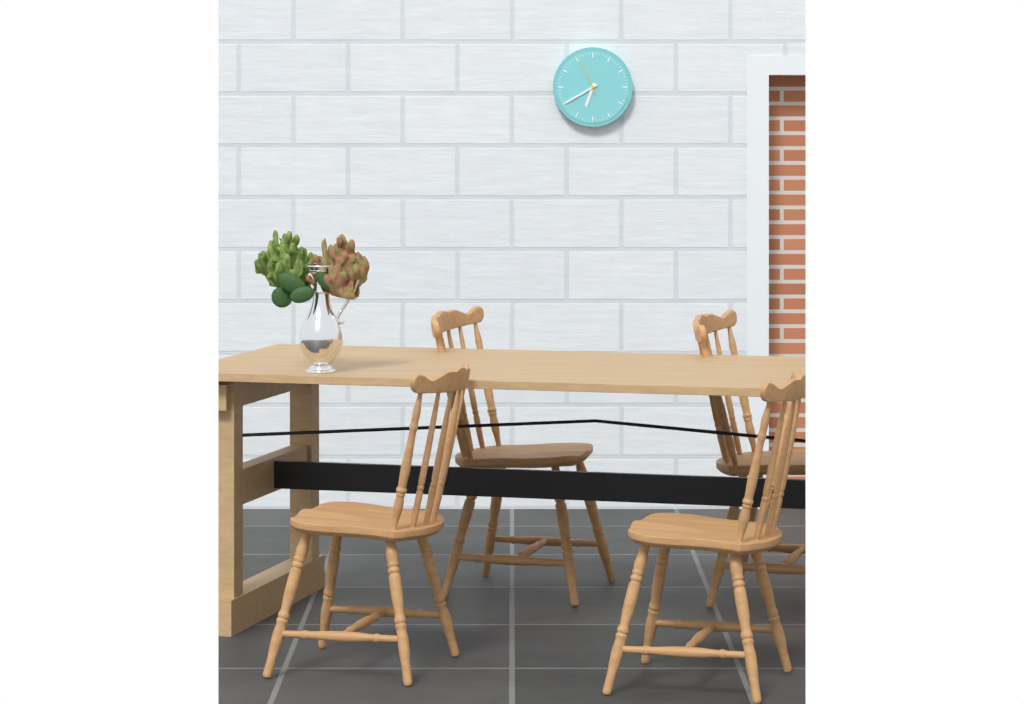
6:40
